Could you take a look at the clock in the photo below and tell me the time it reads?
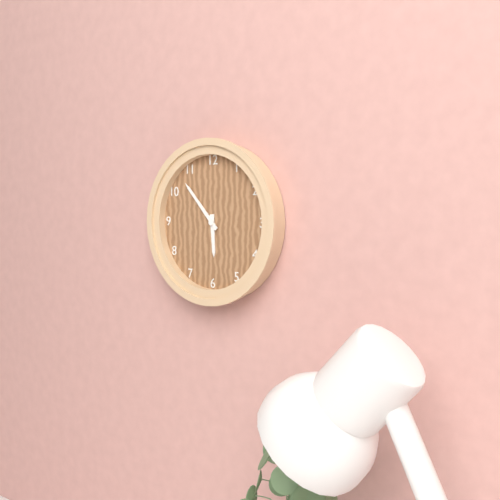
5:53
